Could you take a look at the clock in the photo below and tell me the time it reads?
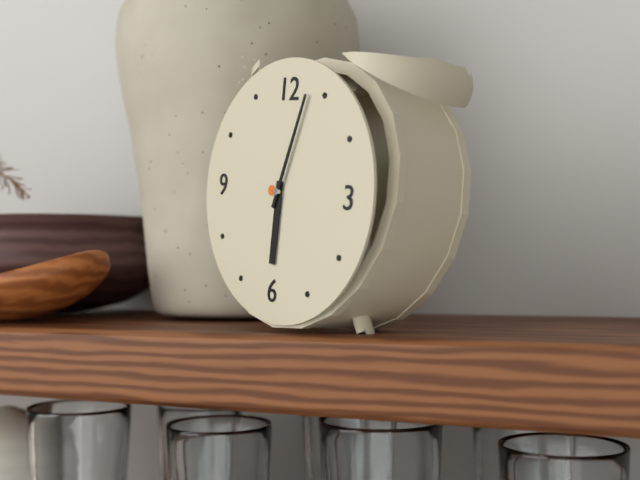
6:03
